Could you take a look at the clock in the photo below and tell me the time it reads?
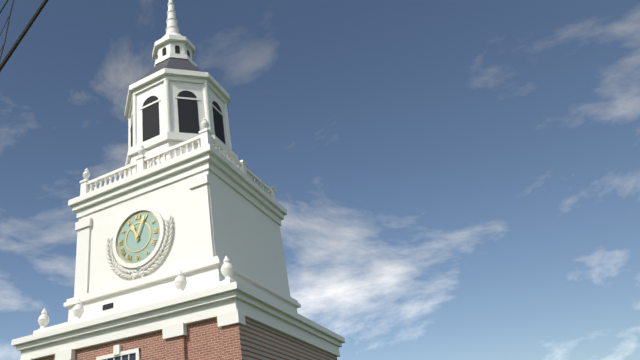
11:04
